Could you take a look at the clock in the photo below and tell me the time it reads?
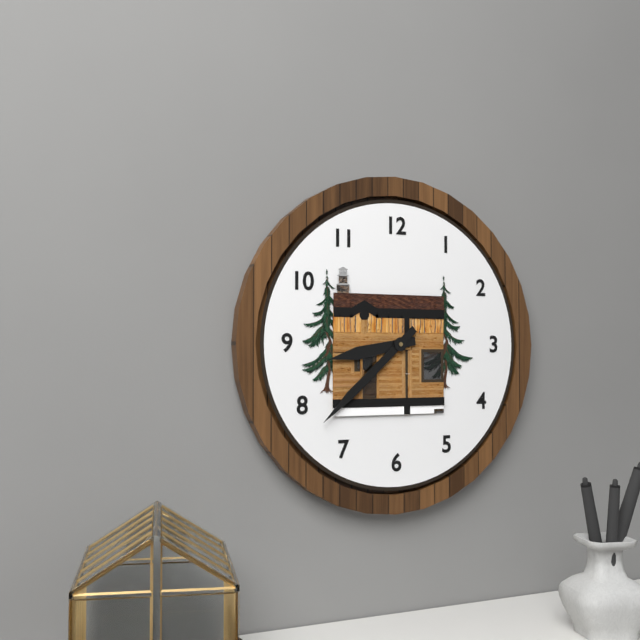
8:38
